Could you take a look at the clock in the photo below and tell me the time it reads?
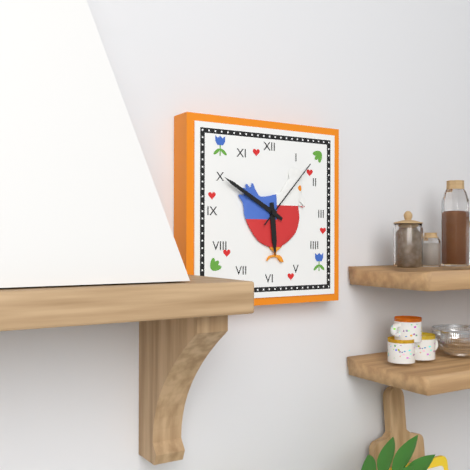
5:50:07
